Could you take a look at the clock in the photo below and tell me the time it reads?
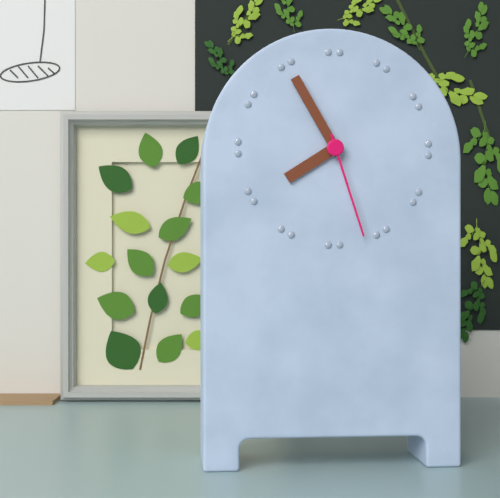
7:55:27
